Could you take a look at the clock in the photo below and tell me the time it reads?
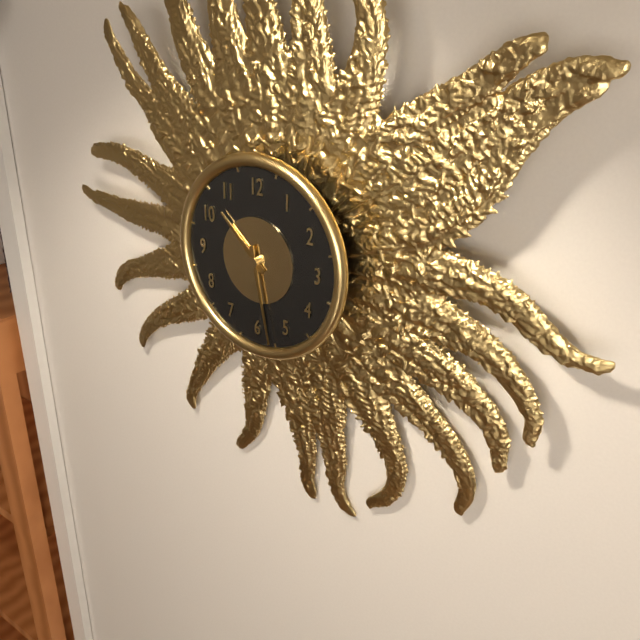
10:28
